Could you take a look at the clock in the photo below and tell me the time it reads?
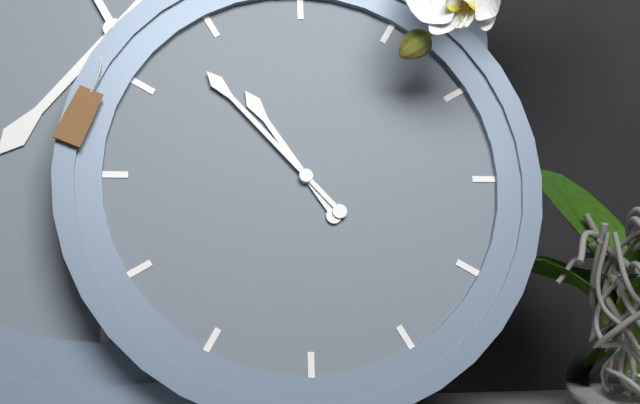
10:53
